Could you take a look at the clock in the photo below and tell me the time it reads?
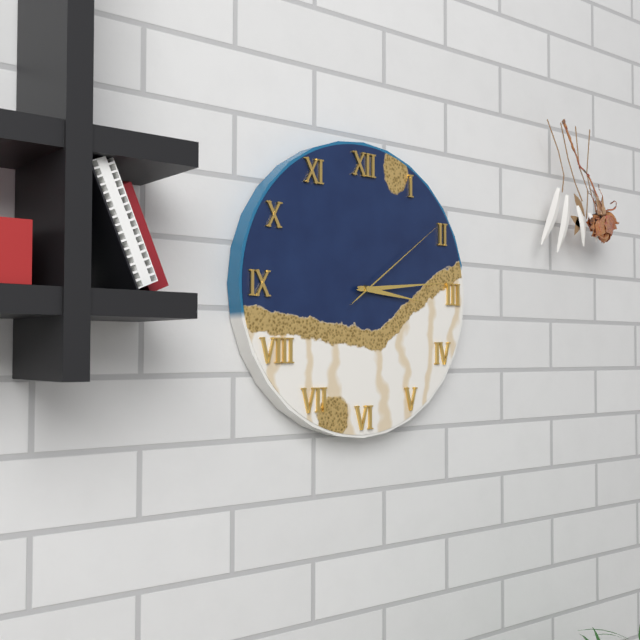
3:14:09
